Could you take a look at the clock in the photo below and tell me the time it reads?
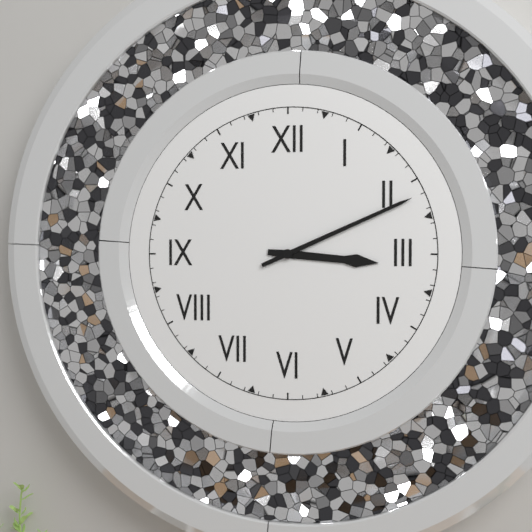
3:11
